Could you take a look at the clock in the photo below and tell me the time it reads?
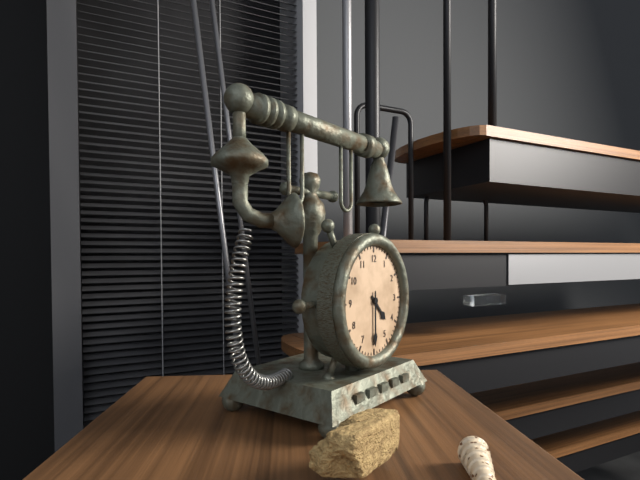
4:30
